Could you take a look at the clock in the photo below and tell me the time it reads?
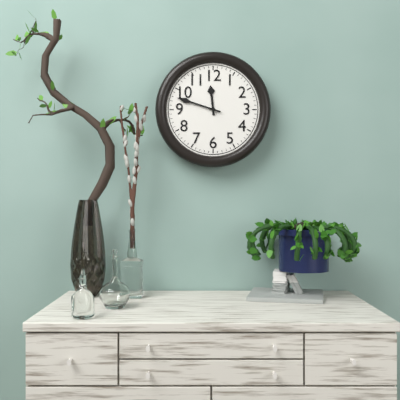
11:48
